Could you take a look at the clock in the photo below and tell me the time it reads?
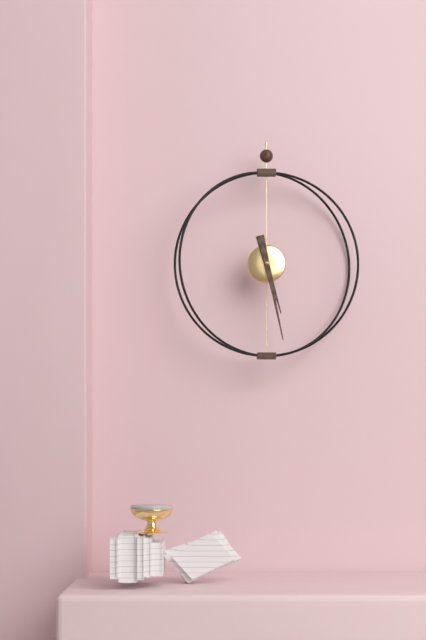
5:28
